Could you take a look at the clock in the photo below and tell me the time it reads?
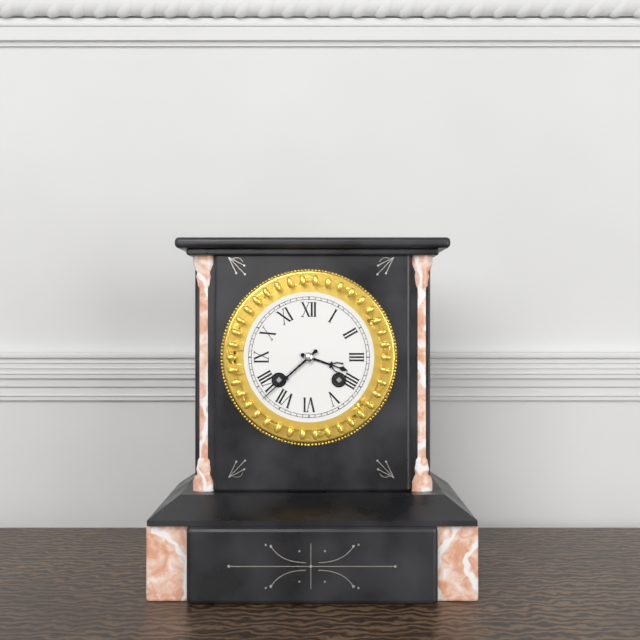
3:38
